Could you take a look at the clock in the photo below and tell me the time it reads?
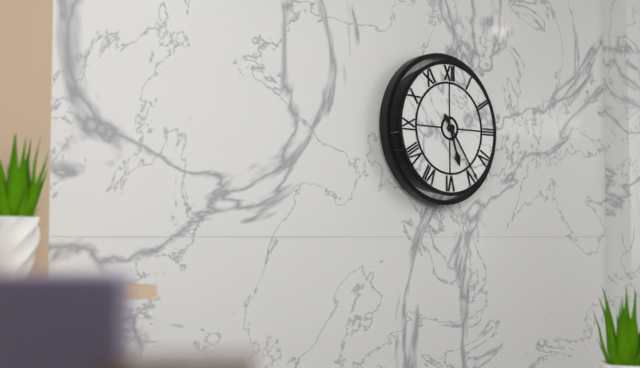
5:24
